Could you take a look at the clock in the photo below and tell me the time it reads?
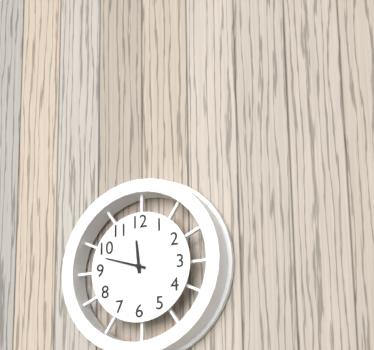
11:48
